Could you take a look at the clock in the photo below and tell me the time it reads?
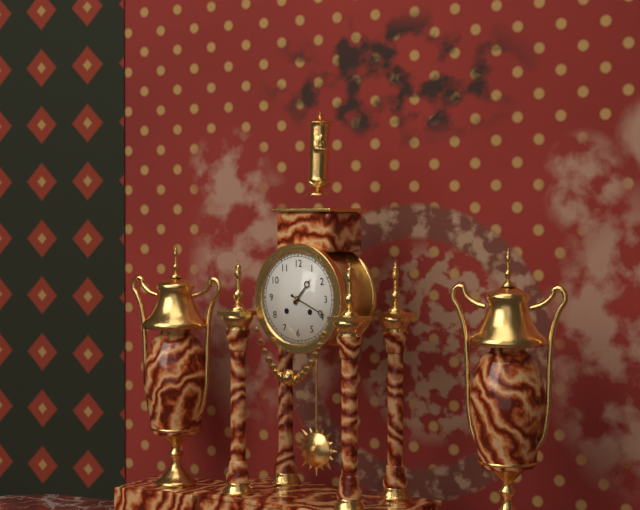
1:19
